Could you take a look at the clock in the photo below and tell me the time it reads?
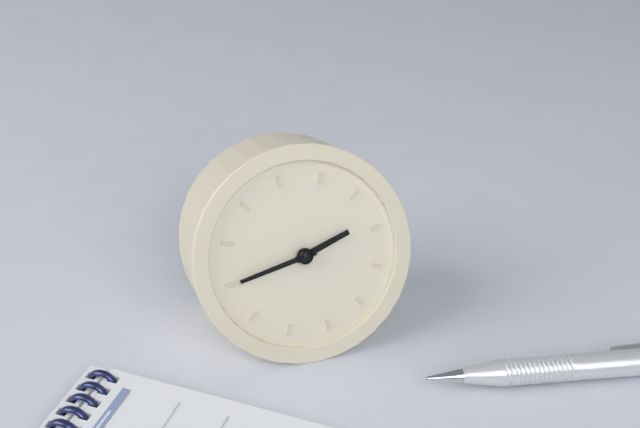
2:45
